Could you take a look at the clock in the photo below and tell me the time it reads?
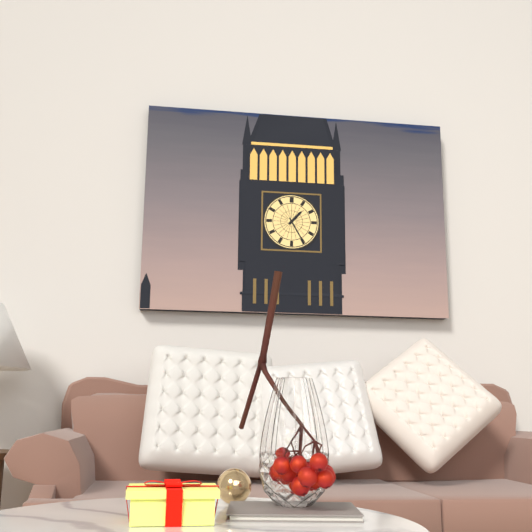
1:25
